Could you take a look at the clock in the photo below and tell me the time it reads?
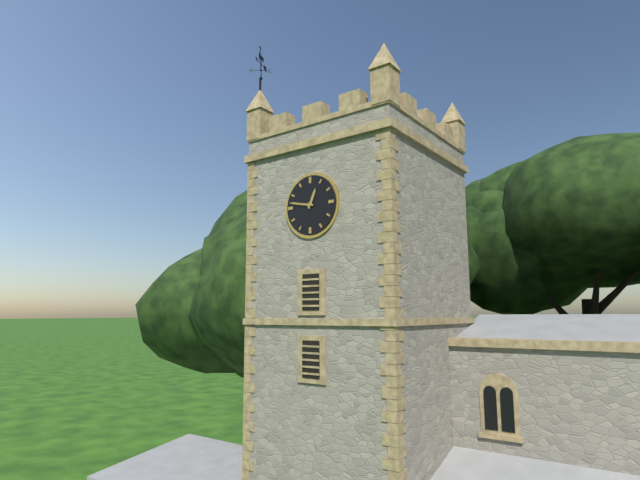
12:47
